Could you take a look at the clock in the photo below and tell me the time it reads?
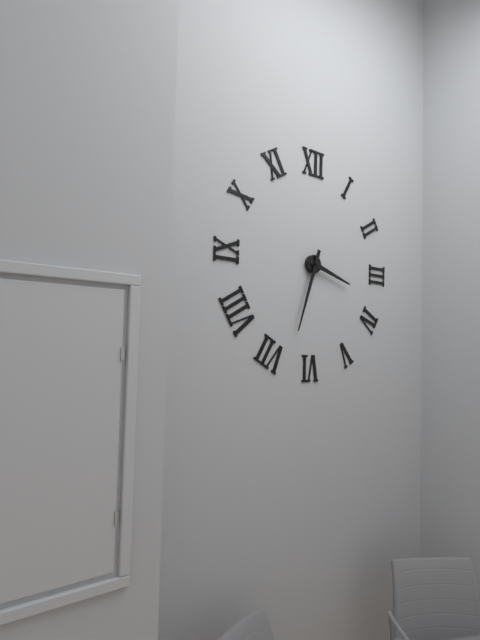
3:33
